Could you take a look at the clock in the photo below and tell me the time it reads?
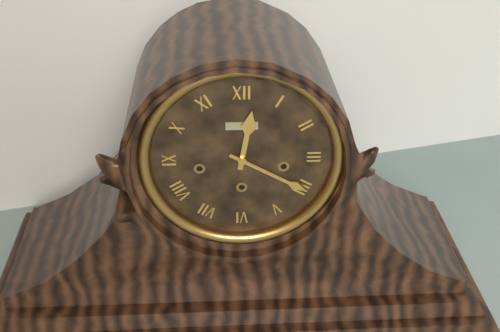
12:20
